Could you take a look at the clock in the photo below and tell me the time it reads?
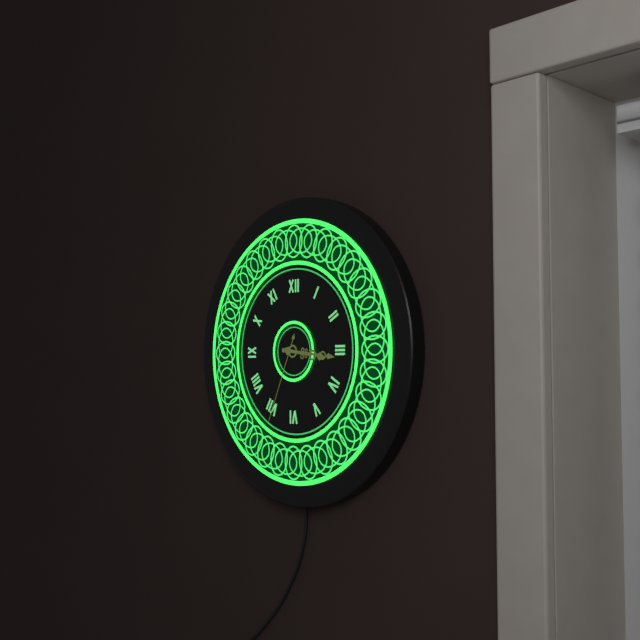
3:16:34
